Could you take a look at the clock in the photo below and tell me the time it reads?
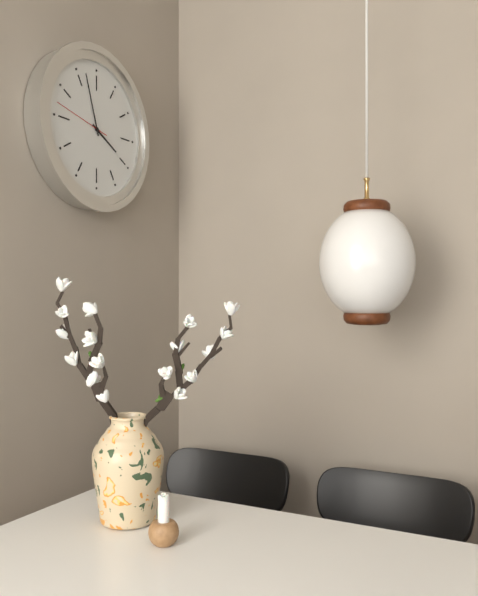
3:57:47
